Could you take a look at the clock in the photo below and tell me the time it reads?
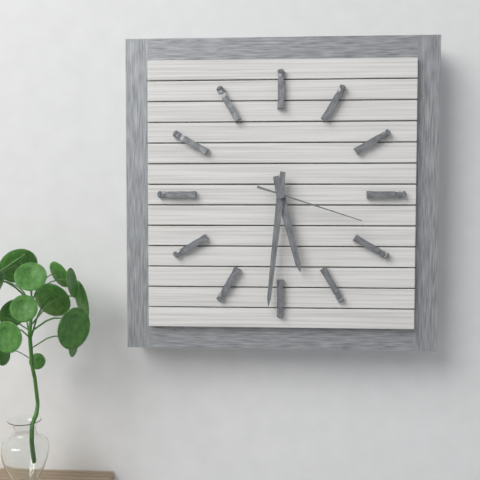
5:31:18
